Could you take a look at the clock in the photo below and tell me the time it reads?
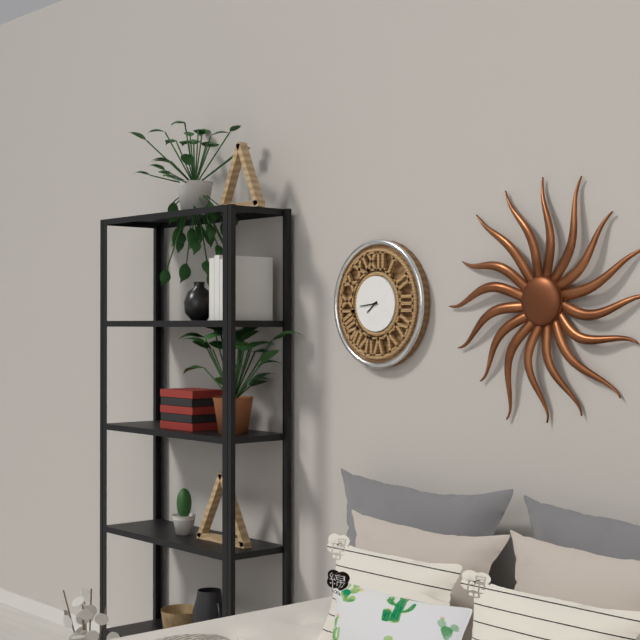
7:44
